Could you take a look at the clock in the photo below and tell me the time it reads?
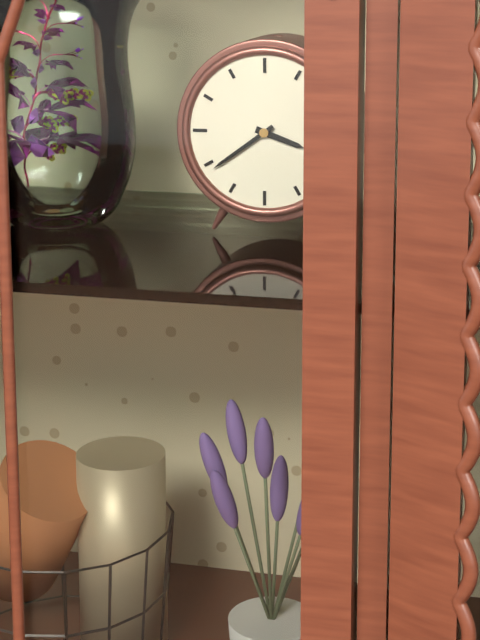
3:39
